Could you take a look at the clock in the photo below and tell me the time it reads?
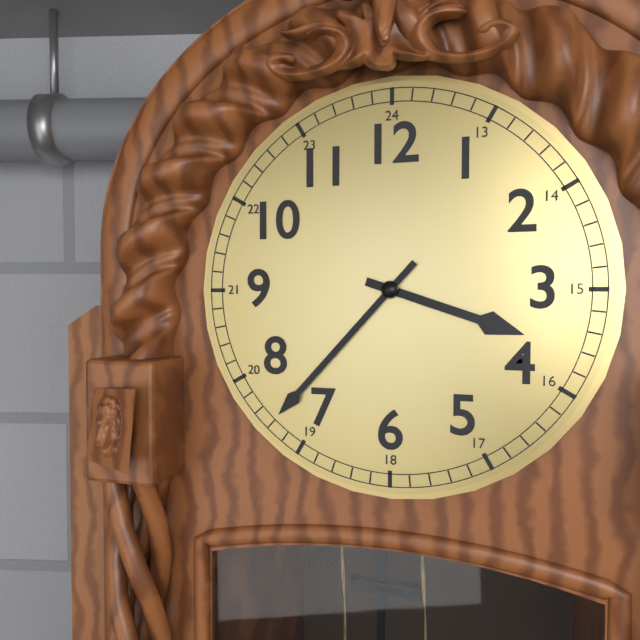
3:37
